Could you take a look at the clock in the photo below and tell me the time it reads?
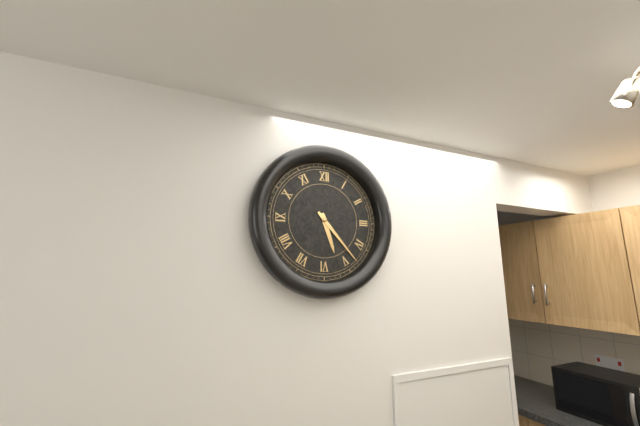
5:23
